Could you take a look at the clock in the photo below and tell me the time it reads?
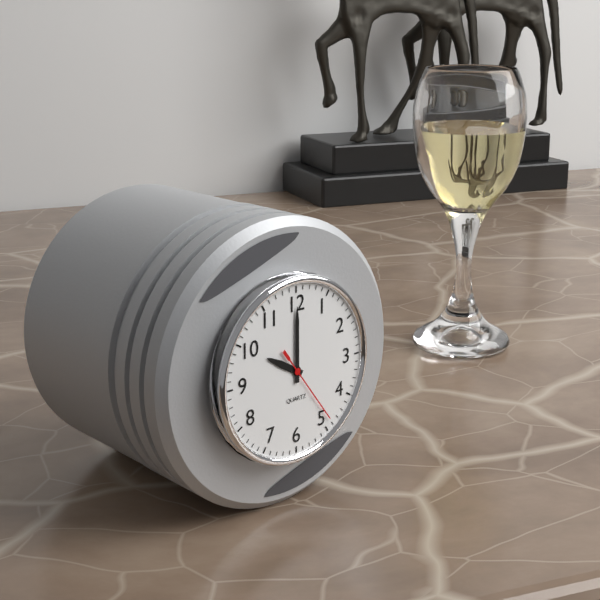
10:00:24
